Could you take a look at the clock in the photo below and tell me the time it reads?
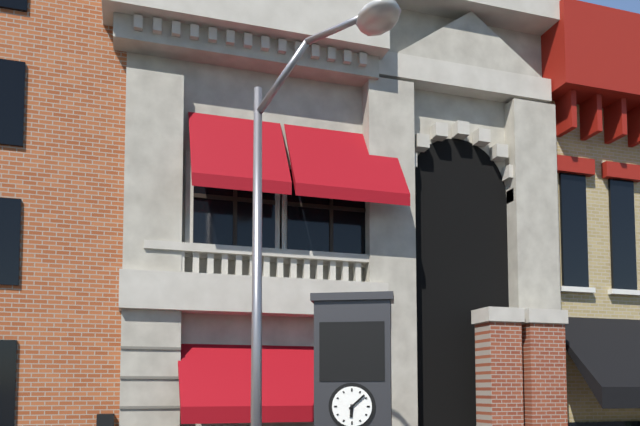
6:08
